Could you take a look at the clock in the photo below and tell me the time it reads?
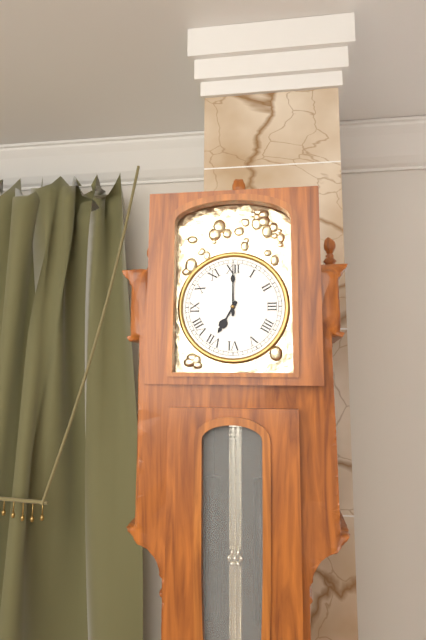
7:00
